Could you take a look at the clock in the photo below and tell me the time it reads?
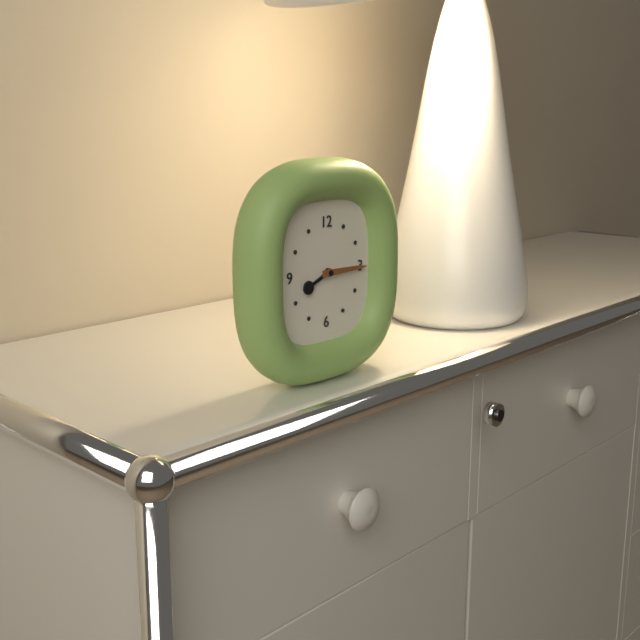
8:15
